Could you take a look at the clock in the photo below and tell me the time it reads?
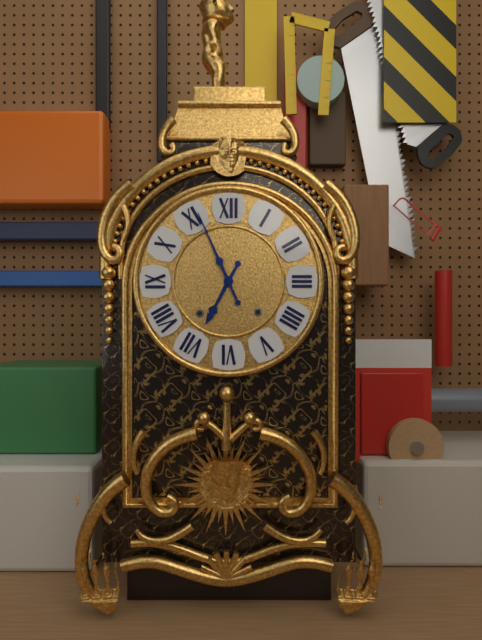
6:56
